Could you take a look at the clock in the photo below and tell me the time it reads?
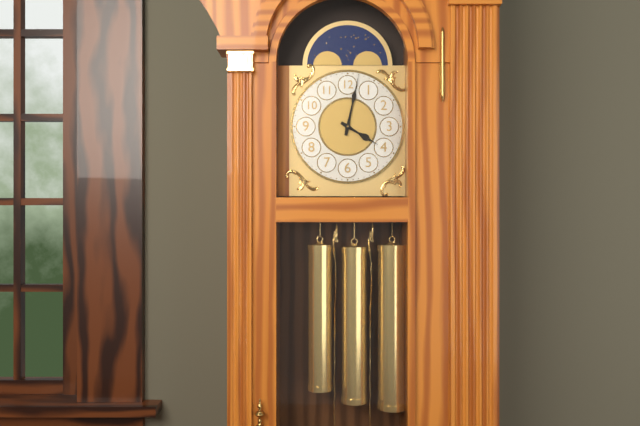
4:02
